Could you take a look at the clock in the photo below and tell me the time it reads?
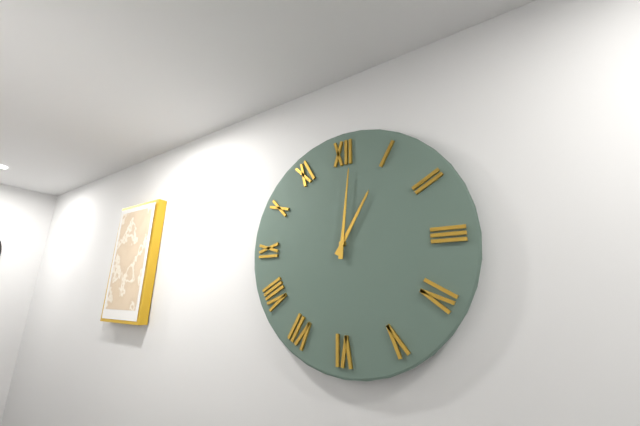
1:01
